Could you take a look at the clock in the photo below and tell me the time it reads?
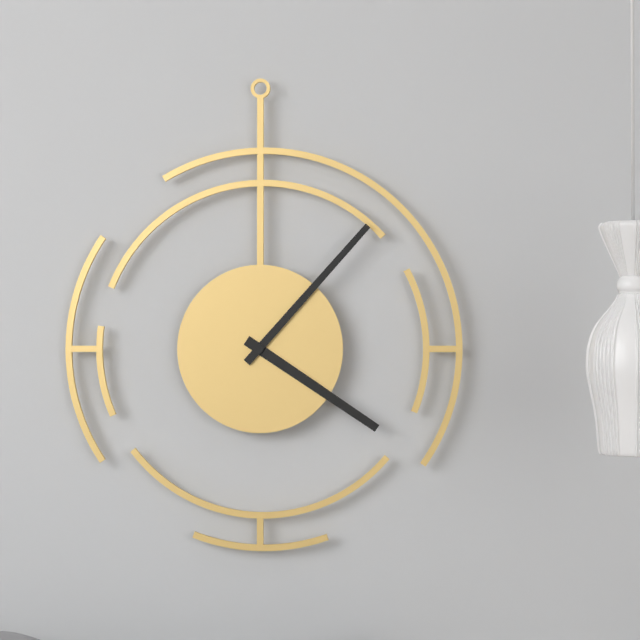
4:07
